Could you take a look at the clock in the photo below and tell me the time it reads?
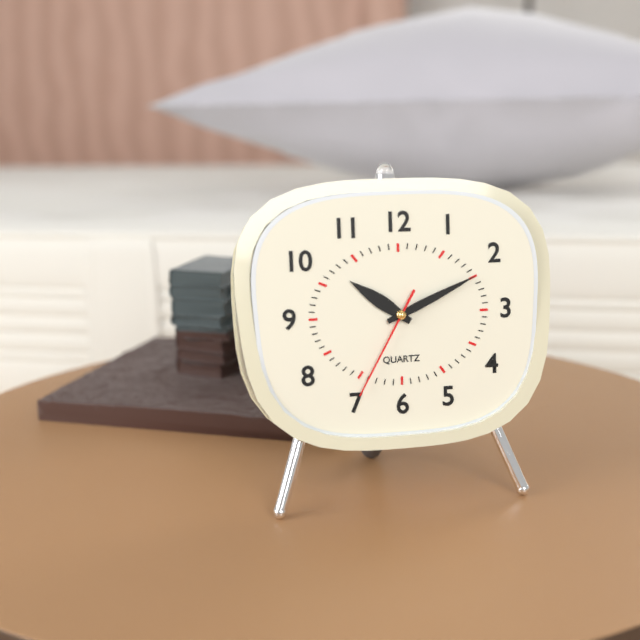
10:11:35
